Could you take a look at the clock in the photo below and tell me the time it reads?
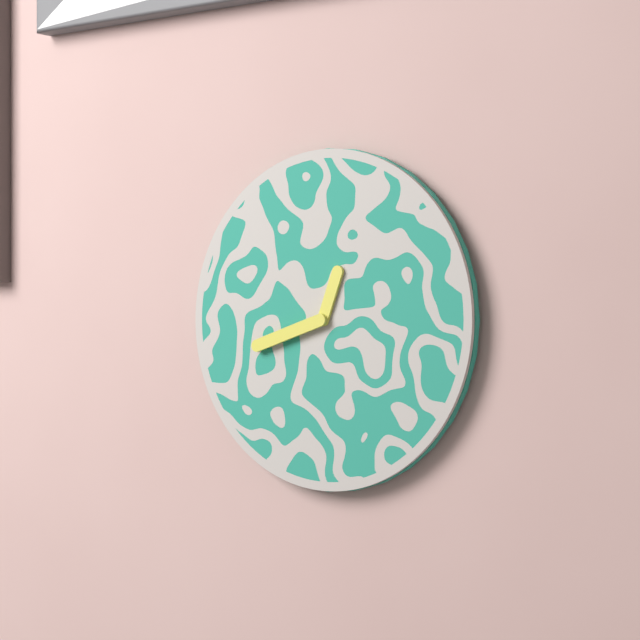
12:42
